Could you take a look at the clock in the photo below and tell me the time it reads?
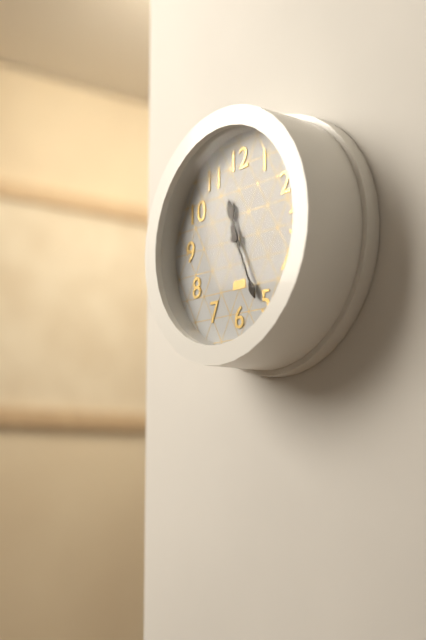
11:26
